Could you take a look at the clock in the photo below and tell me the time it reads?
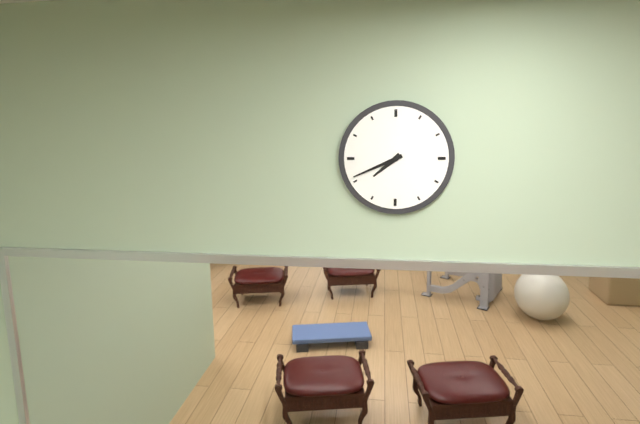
7:41
